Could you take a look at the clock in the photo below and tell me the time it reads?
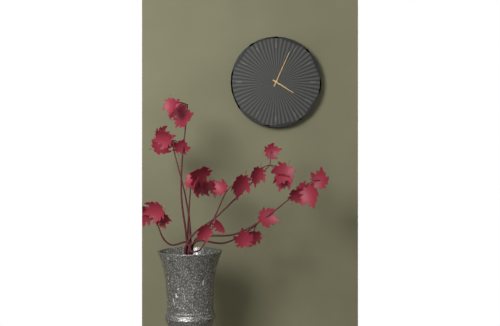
4:04
